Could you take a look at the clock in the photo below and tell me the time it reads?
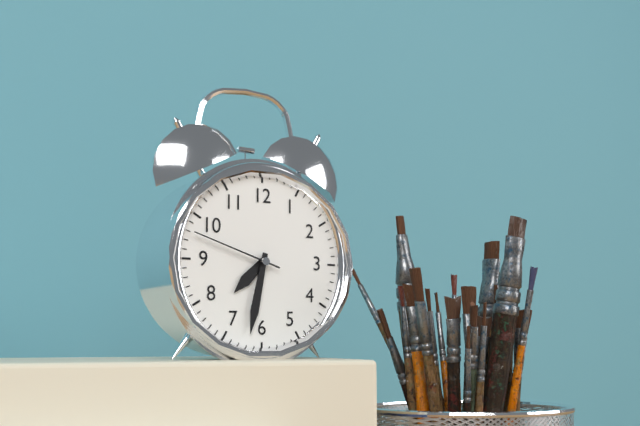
7:32:48
